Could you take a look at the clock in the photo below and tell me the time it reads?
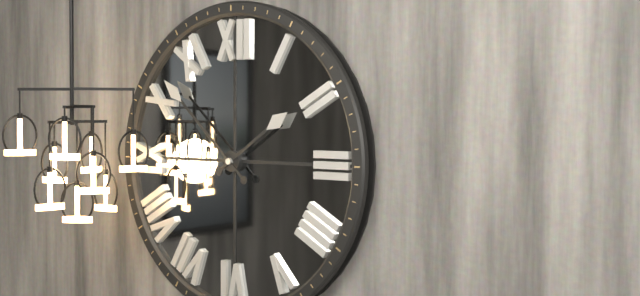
1:52
